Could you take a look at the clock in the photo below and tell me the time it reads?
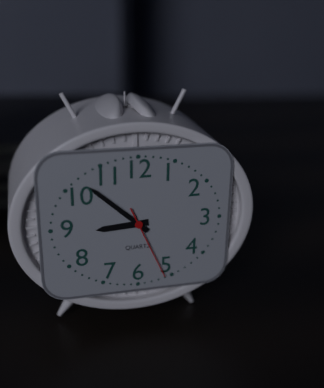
8:52:26
